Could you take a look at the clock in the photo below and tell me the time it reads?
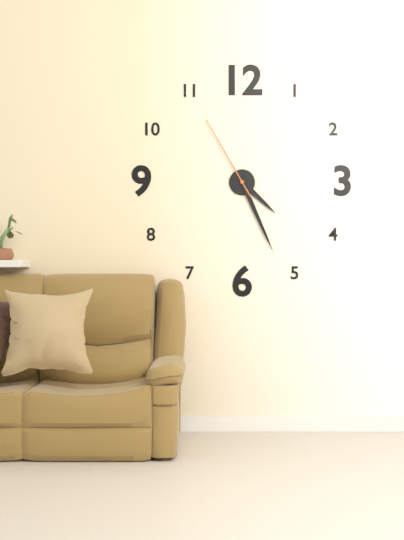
4:26:55
